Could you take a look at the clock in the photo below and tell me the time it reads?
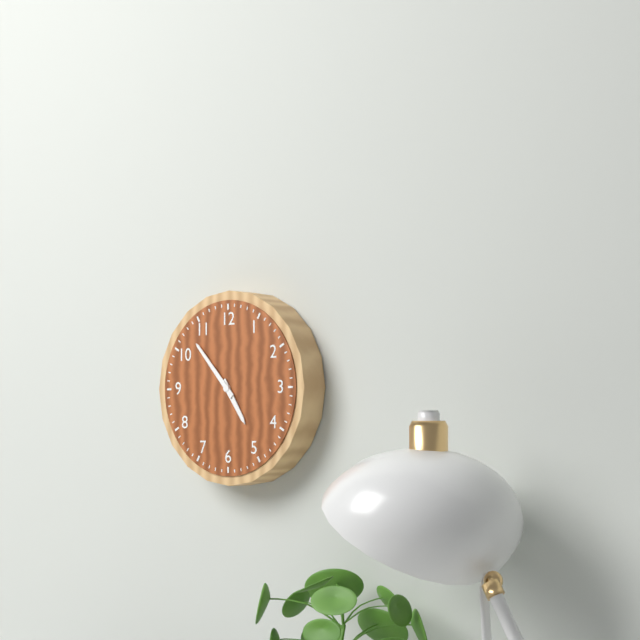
4:53
